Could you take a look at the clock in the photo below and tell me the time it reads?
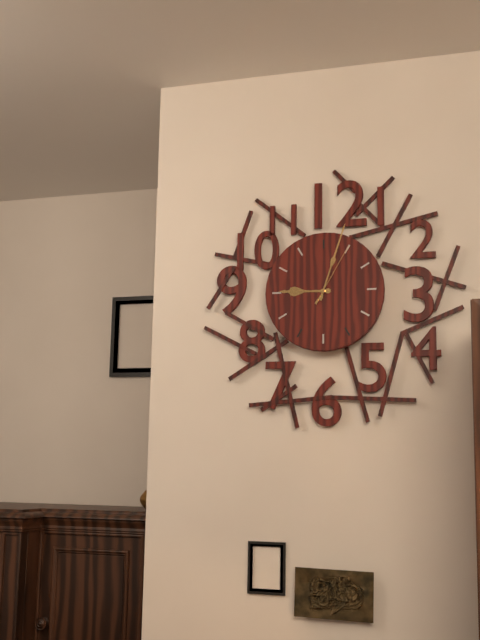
9:03:05
